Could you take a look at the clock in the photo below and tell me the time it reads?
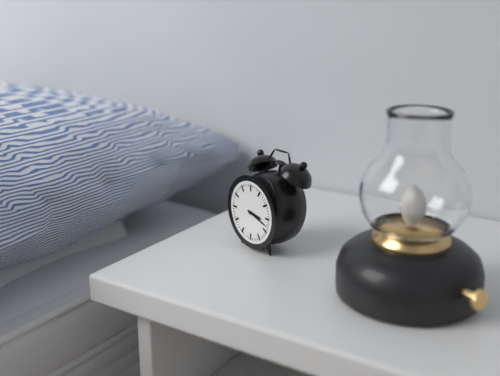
3:18
